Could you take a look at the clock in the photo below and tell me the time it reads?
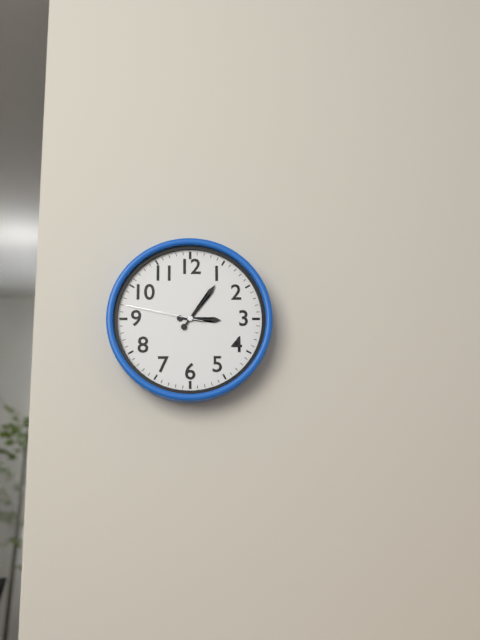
3:06:47
